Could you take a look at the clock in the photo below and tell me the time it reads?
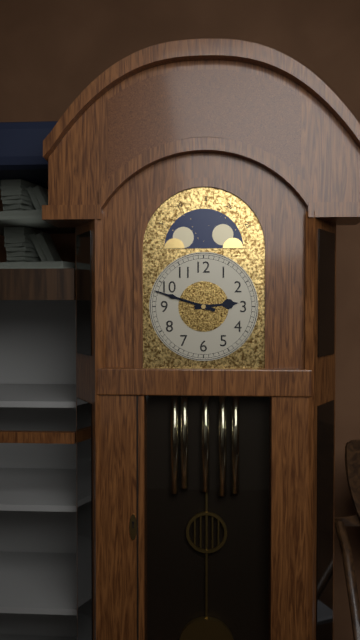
2:48
